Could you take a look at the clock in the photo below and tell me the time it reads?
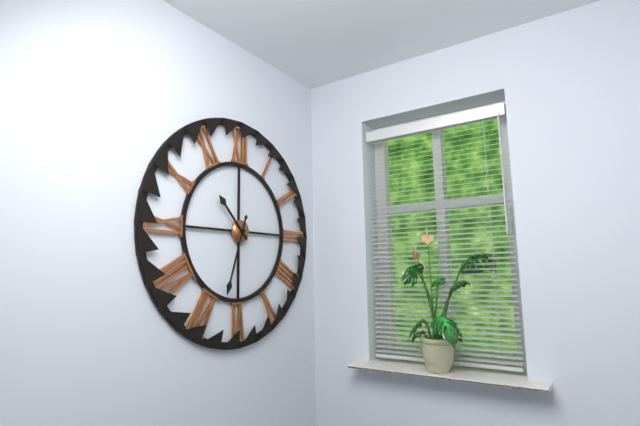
10:33
